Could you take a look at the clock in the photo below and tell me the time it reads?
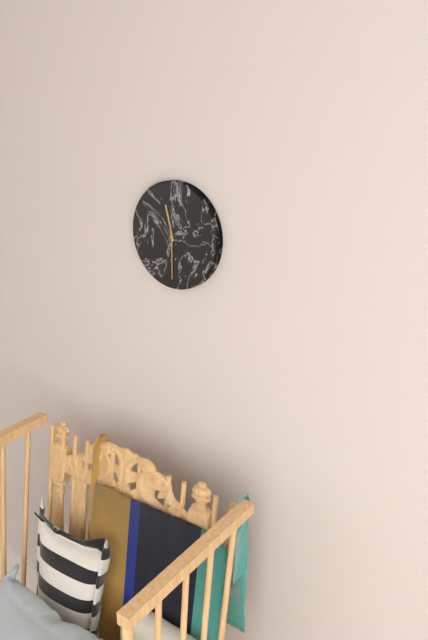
11:30
